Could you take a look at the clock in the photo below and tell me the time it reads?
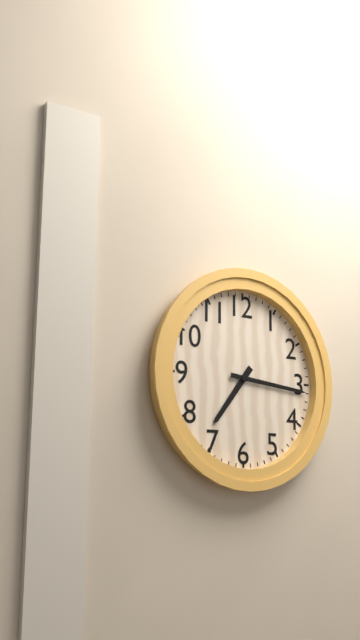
7:16
